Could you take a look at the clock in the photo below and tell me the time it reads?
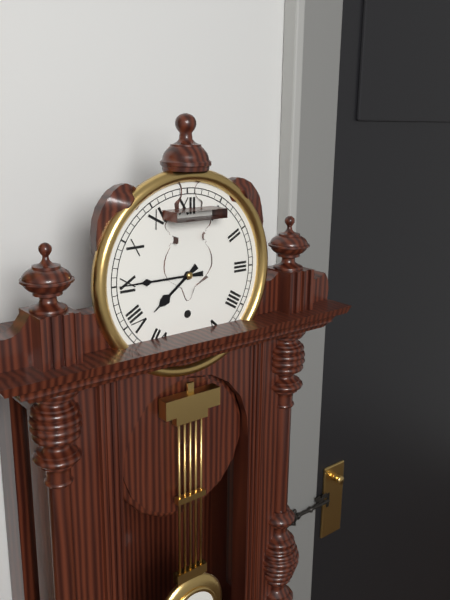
7:45
